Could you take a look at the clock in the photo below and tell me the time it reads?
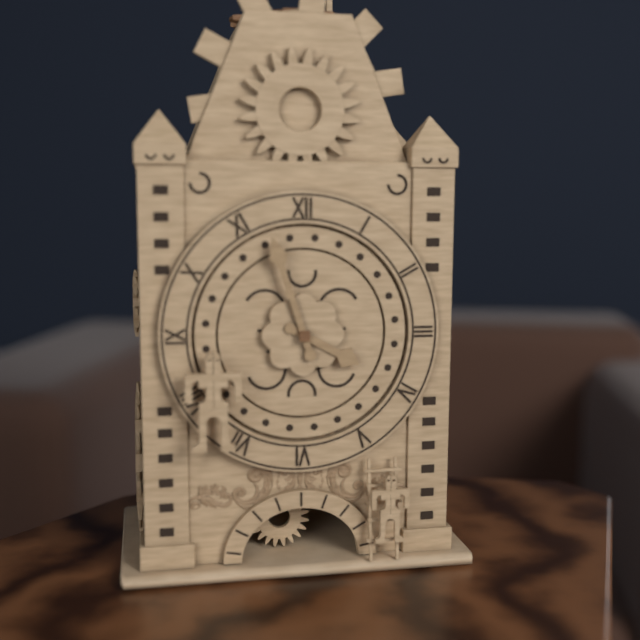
3:57
